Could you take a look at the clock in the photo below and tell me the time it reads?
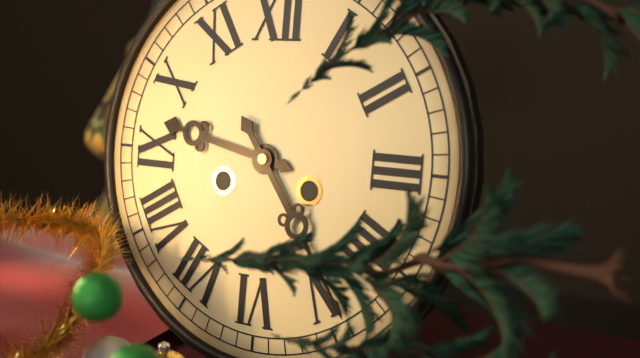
9:24
